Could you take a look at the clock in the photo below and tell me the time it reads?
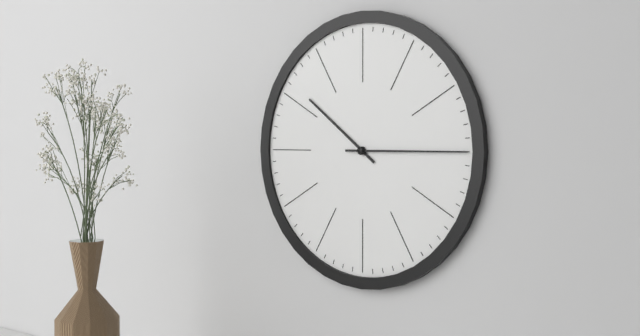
10:15
